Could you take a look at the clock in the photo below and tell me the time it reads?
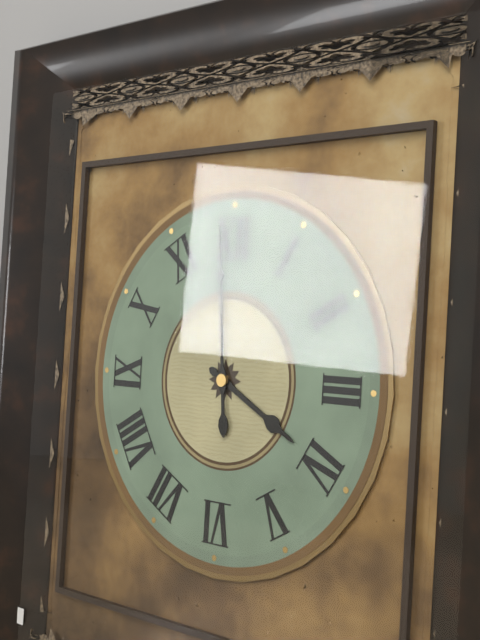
3:59
